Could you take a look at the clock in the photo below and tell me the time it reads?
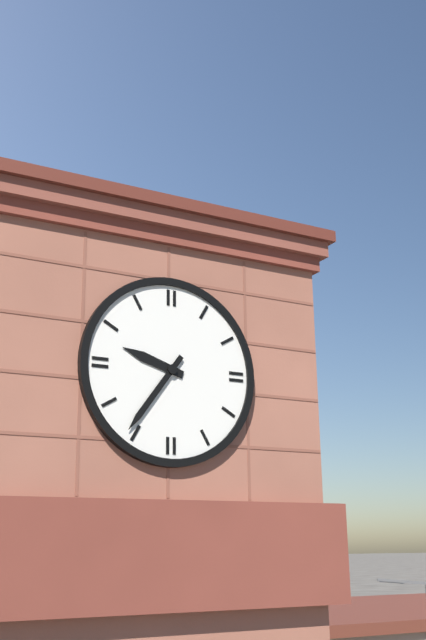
9:36
